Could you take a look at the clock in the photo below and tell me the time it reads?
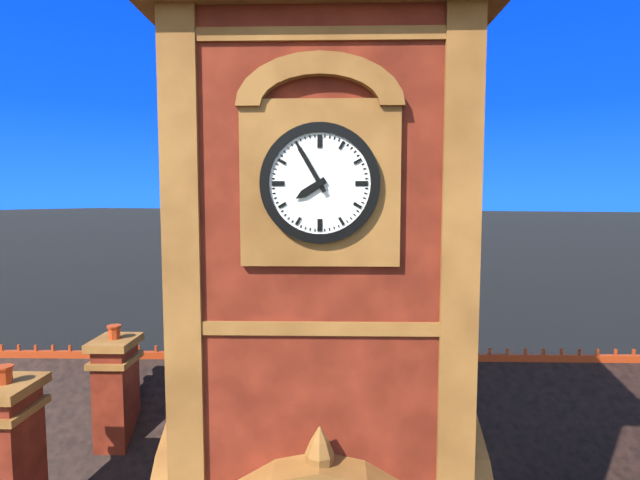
7:55
